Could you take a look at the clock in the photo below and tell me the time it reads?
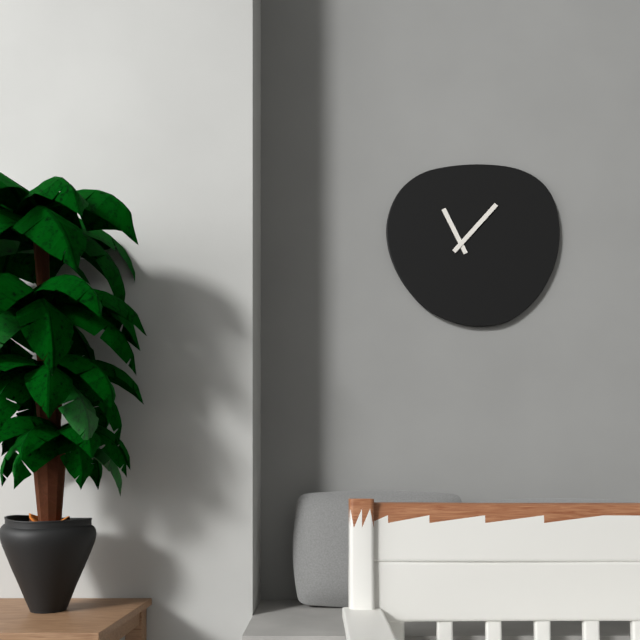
11:07
